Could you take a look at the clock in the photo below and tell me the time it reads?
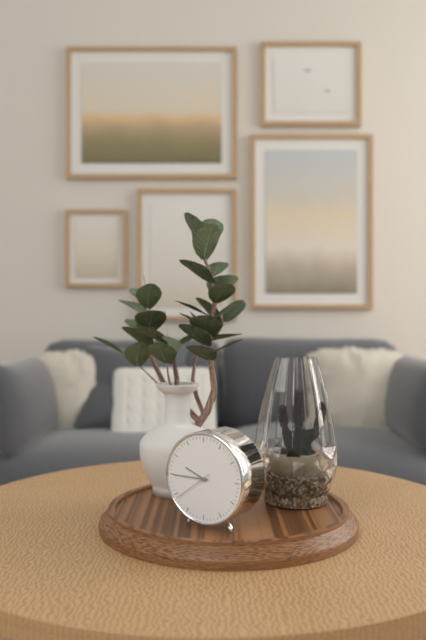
9:45
